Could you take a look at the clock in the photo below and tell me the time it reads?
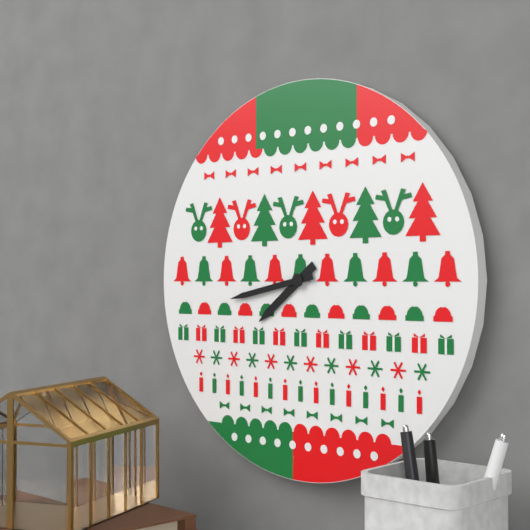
7:43
